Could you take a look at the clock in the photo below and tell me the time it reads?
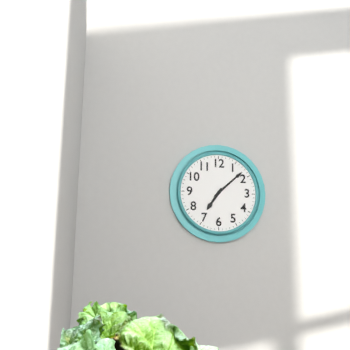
7:08
